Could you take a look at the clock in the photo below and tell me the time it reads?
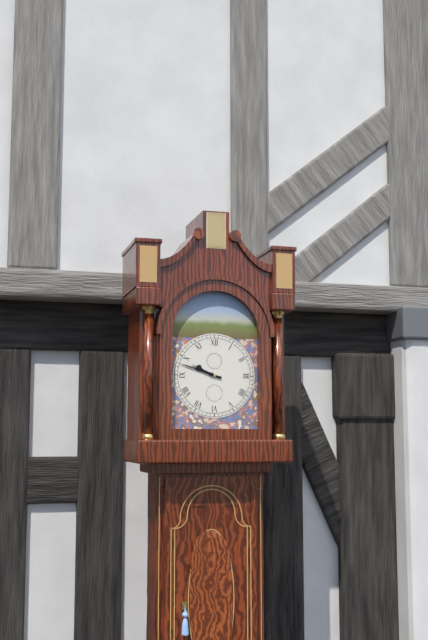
9:48
